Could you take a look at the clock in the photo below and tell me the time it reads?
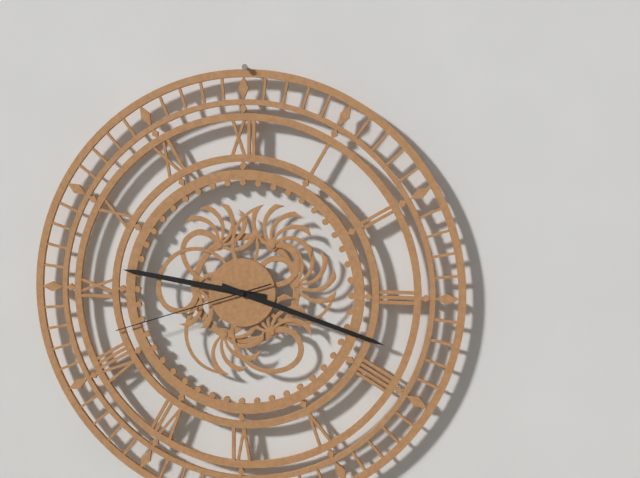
9:18:42
